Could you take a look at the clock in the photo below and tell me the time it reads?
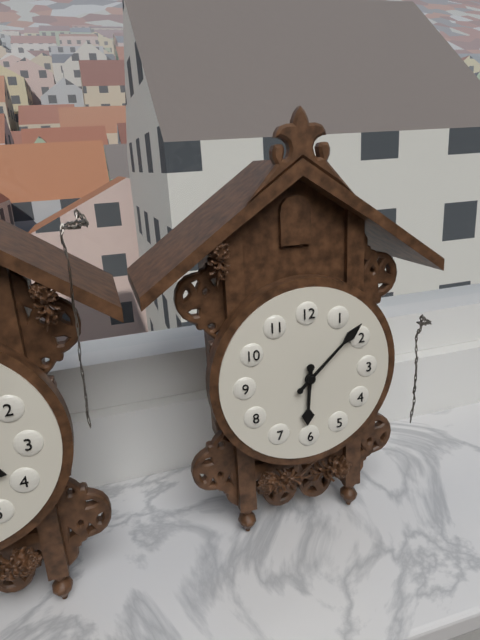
6:08
